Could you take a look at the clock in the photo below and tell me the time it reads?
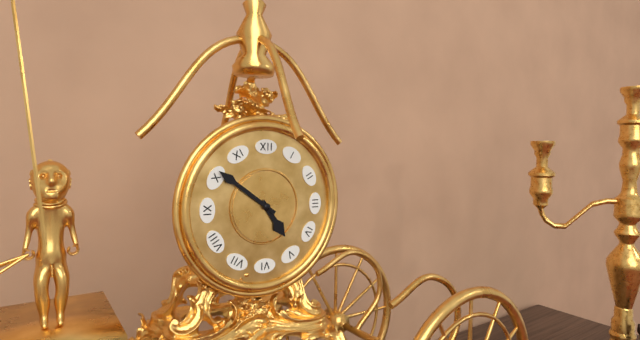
4:51
